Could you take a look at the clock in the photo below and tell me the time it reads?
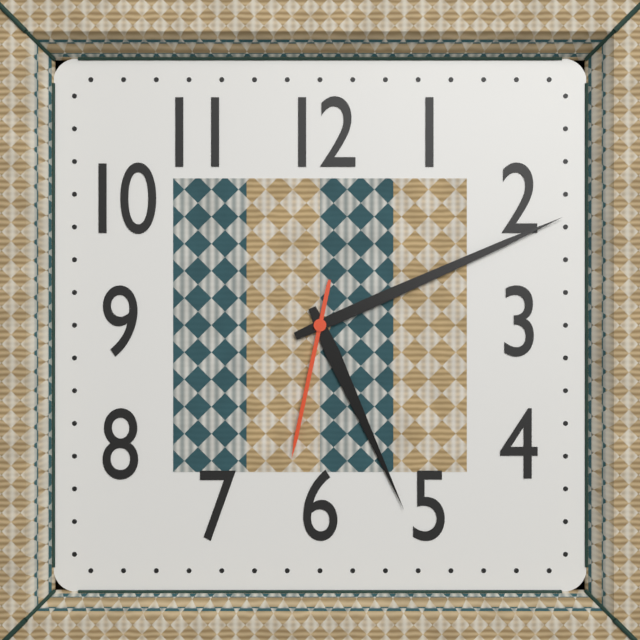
5:11:32
